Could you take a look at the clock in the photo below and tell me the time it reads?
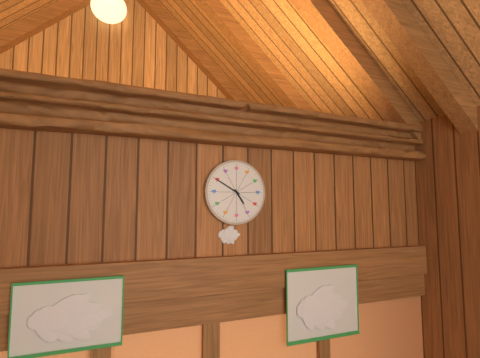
4:50
